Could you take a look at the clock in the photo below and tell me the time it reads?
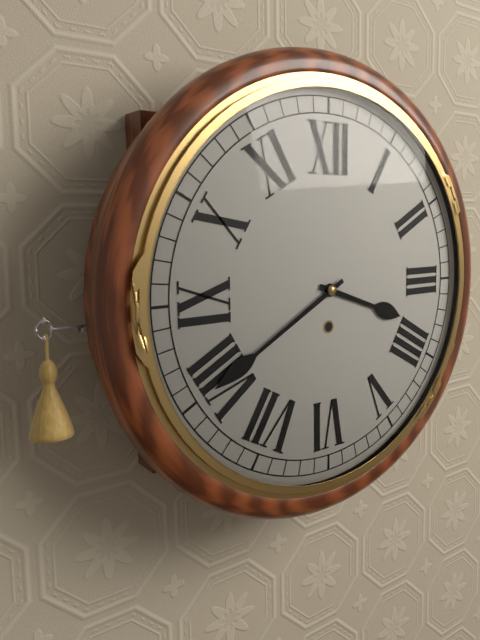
3:40
